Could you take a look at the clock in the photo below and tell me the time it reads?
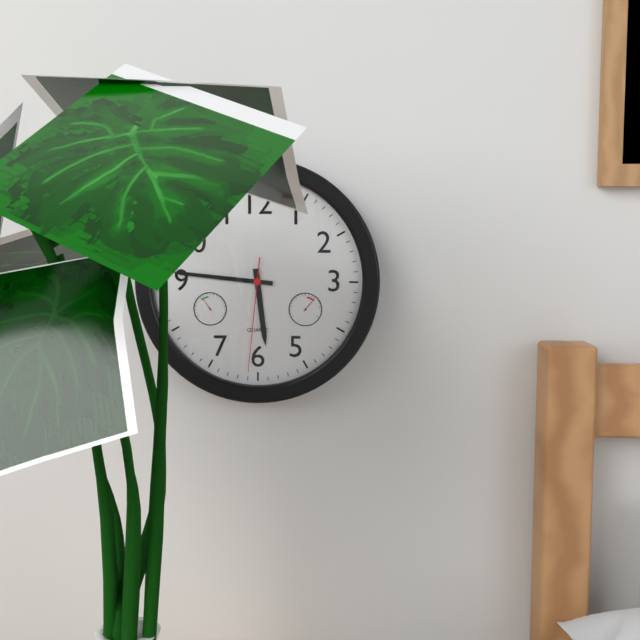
5:46:31
